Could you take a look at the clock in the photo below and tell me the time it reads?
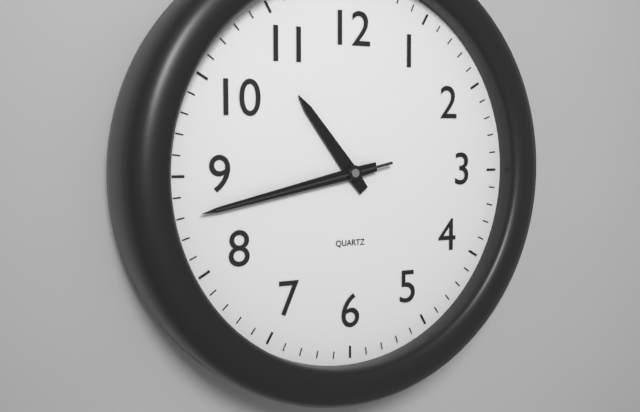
10:43:43
